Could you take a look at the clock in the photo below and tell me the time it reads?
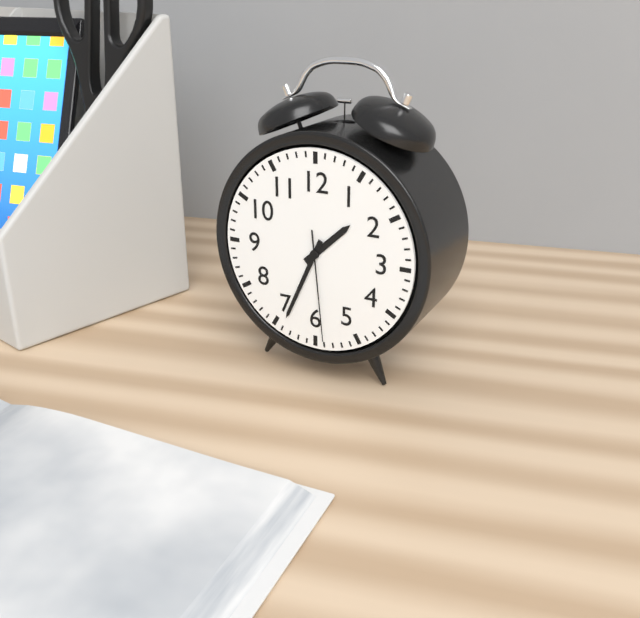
1:34:29
